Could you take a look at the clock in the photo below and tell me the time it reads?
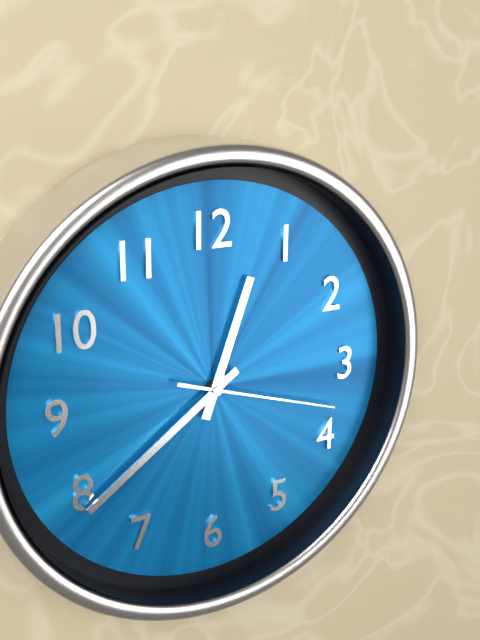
12:39:18
